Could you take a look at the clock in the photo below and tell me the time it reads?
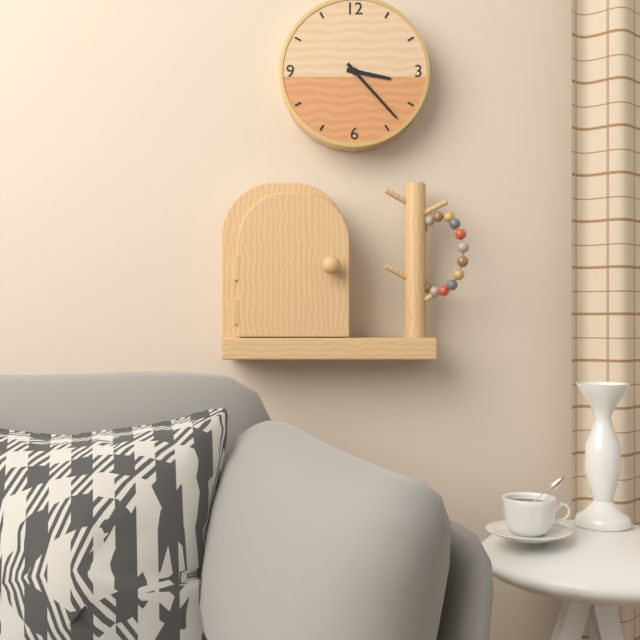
3:23
